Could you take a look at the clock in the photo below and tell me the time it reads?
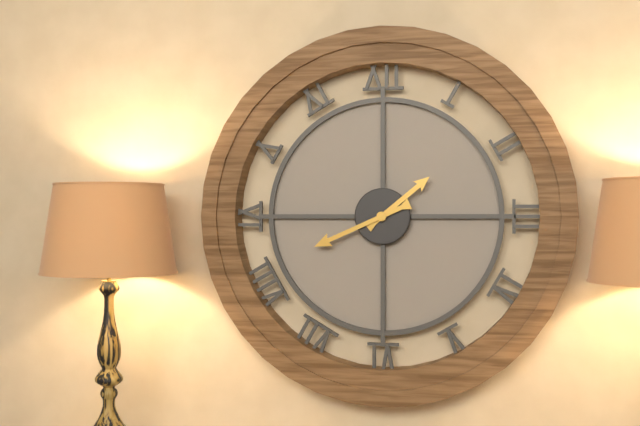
1:41
